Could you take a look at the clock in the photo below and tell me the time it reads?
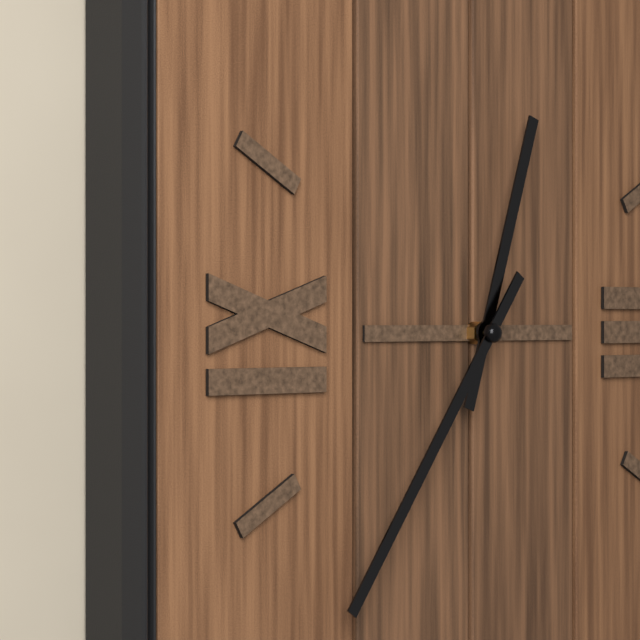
12:36
